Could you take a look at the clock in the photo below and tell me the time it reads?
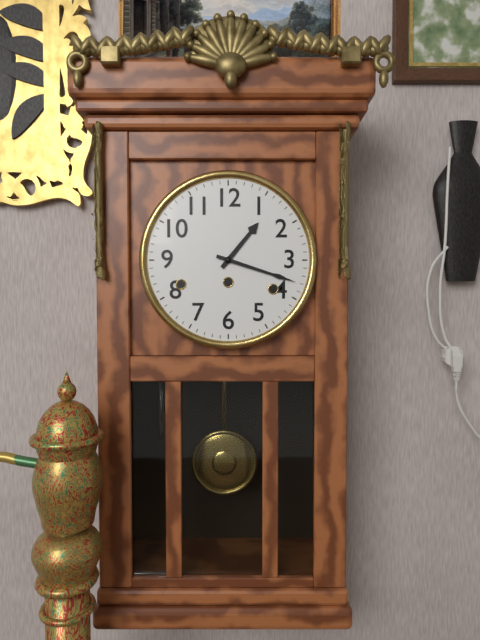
1:18
